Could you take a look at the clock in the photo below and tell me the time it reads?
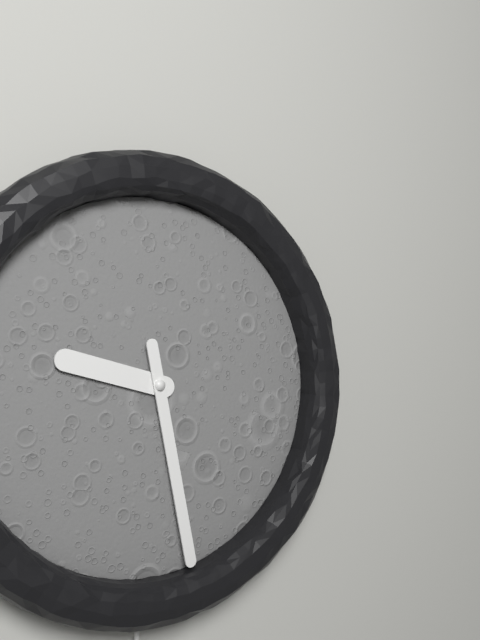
9:28
